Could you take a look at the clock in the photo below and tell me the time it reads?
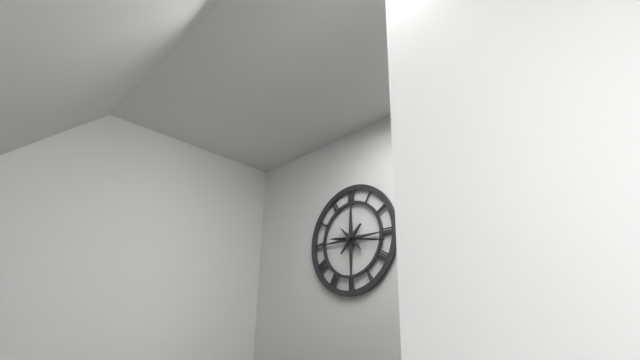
9:17
